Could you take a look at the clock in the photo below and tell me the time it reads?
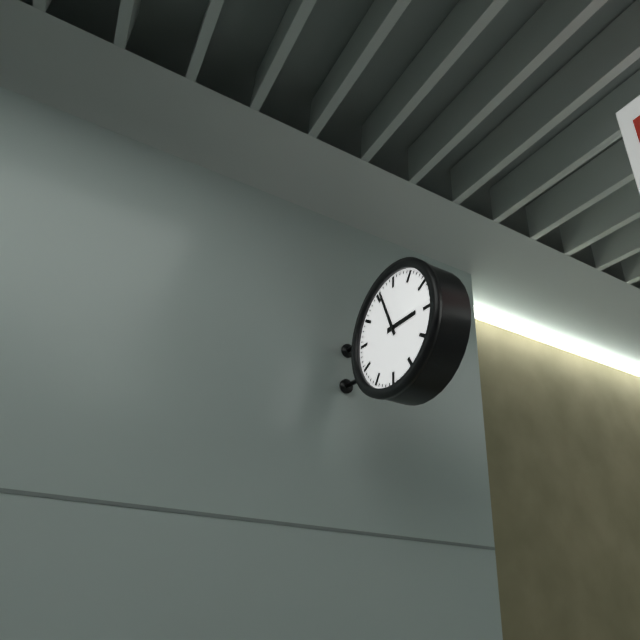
2:56
